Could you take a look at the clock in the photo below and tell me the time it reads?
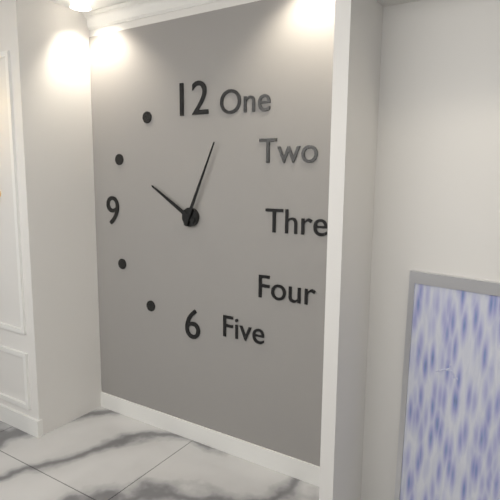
10:04
